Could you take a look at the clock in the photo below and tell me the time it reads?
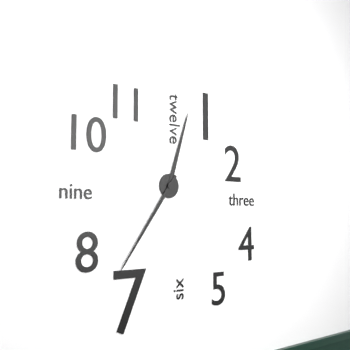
12:36
